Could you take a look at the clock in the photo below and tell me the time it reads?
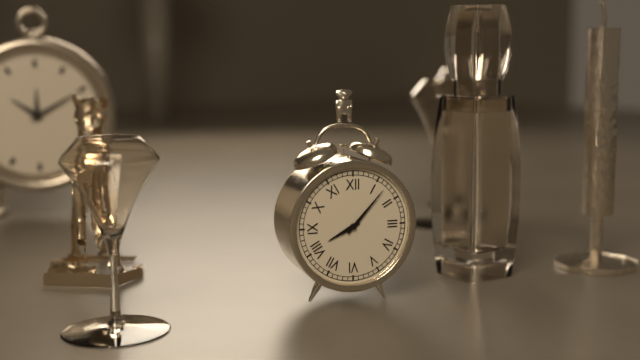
8:07
